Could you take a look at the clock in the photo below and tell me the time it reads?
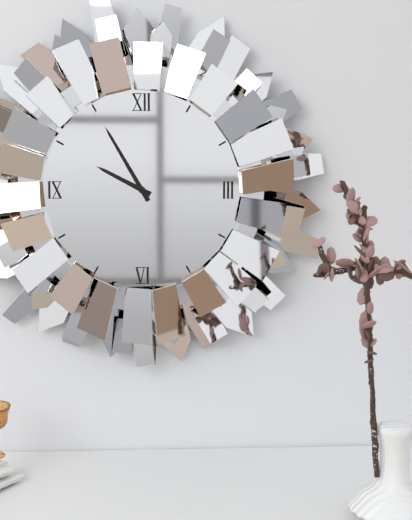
9:55
